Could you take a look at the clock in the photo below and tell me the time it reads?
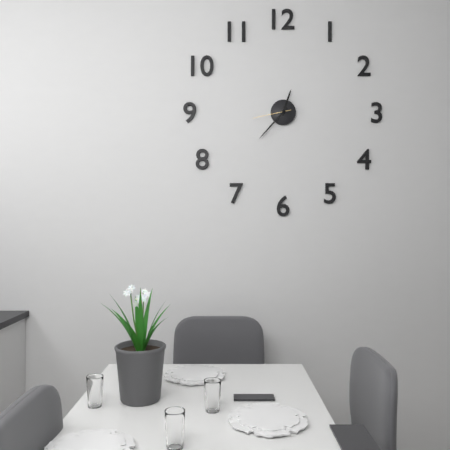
12:37
